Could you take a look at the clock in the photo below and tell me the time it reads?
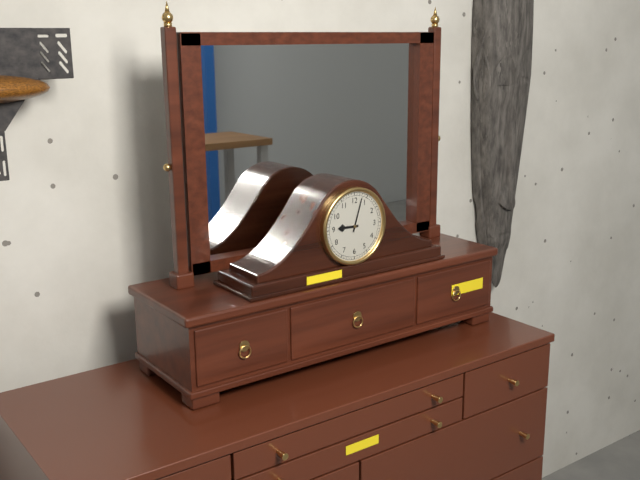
9:03
